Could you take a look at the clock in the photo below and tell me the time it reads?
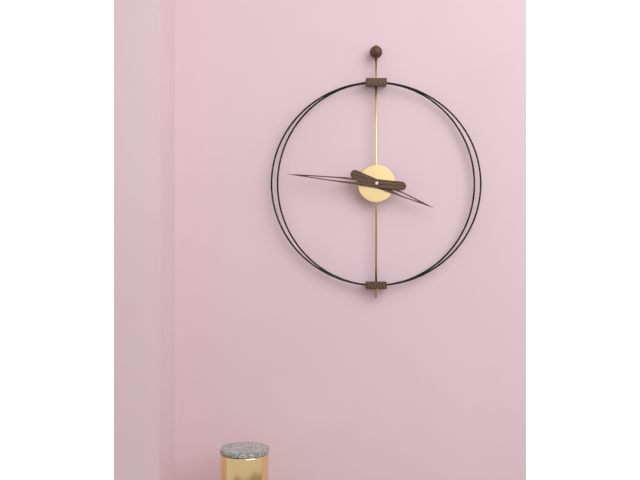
3:46
